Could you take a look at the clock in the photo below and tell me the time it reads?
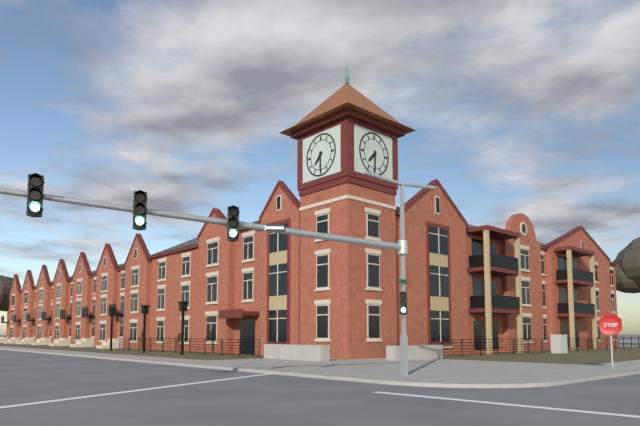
7:30
